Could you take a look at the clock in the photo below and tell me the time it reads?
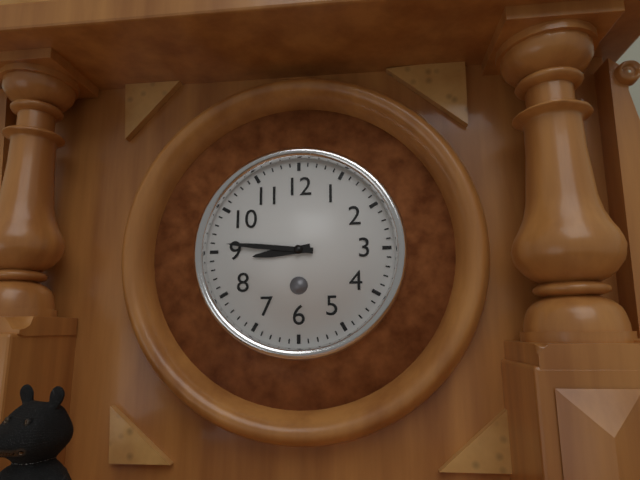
8:46
